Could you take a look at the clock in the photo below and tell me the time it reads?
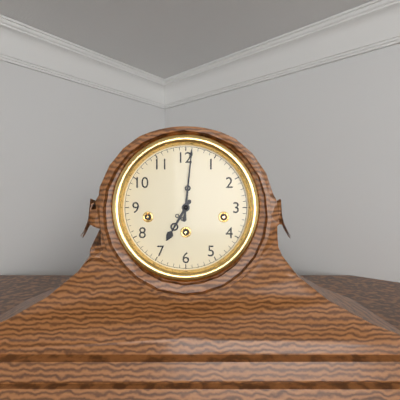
7:01
